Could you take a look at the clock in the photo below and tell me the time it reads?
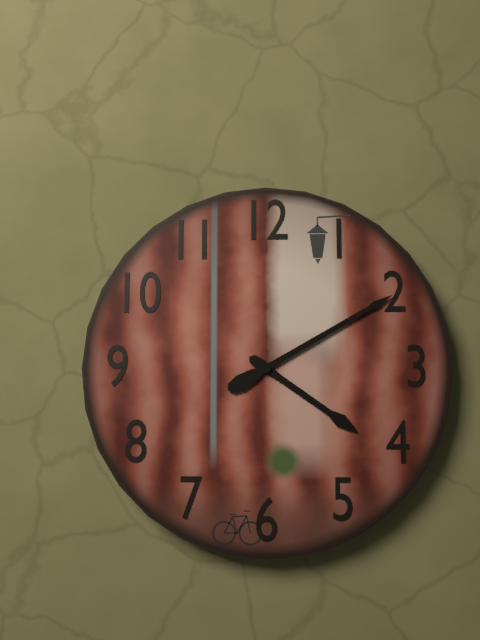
4:10
